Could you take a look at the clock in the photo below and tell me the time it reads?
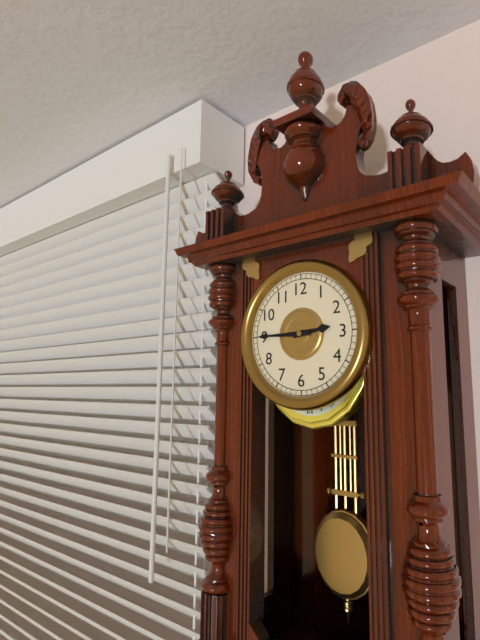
2:45
